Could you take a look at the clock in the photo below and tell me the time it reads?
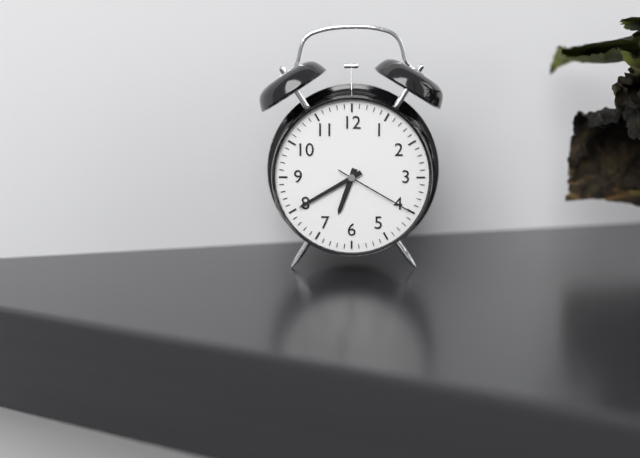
6:40:20
